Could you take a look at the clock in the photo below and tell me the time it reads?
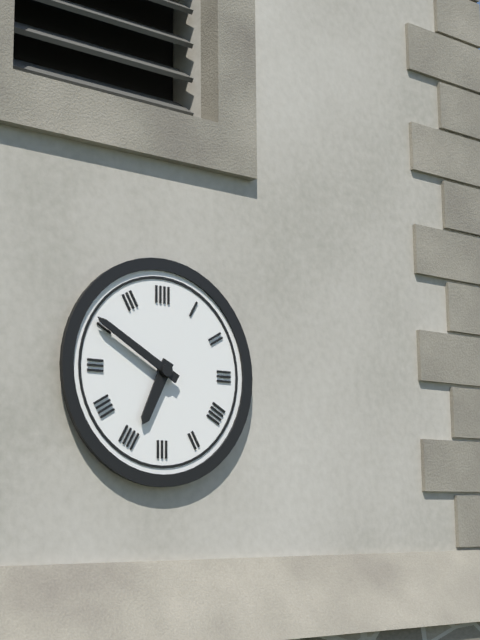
6:50
